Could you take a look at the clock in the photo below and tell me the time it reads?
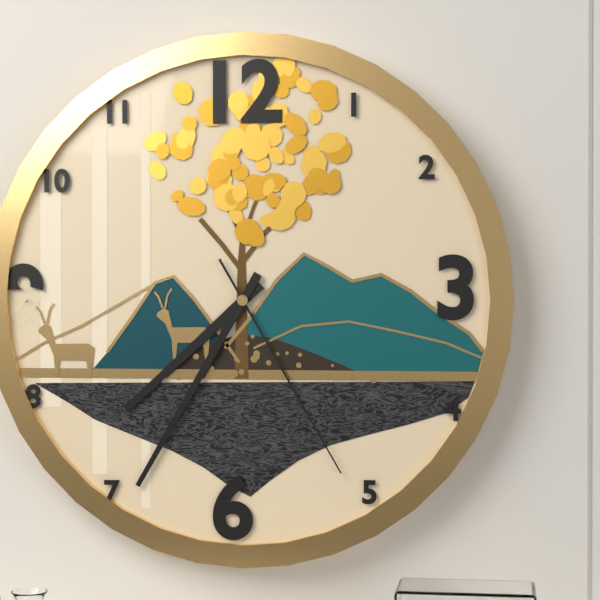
7:35:25
